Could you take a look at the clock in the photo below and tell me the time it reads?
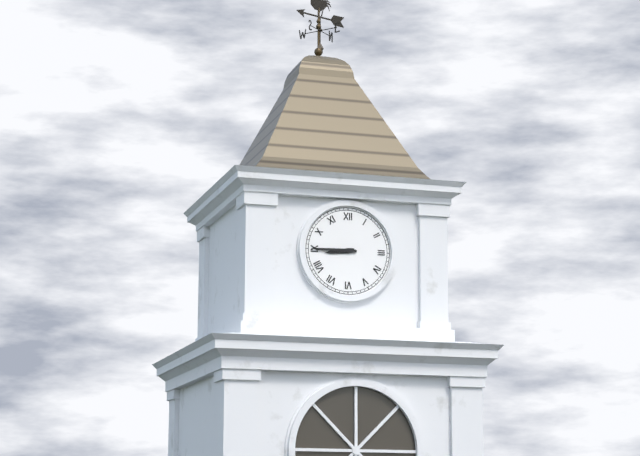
8:45
